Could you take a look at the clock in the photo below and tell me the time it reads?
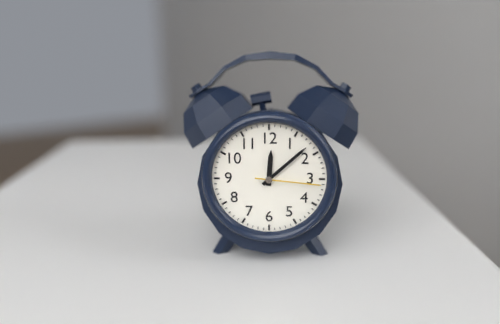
12:08:16
